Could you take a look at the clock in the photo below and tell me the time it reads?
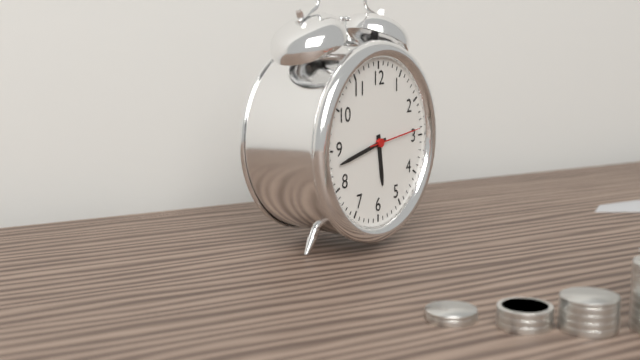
5:43:14
